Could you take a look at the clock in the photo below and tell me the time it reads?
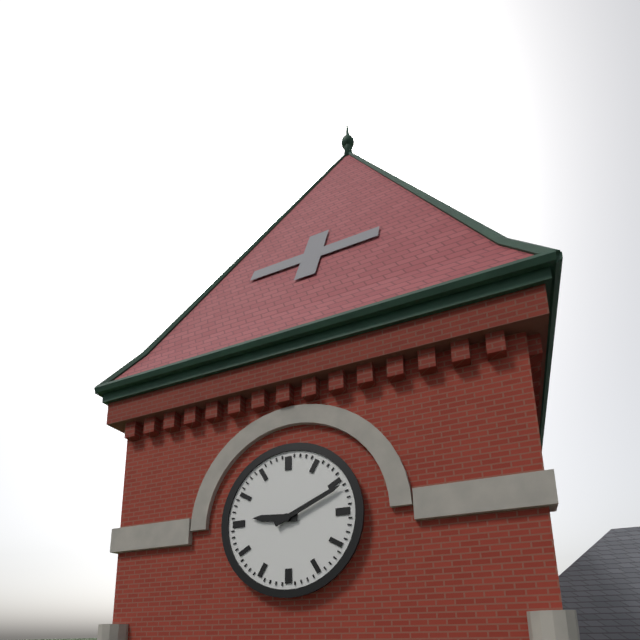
9:11
